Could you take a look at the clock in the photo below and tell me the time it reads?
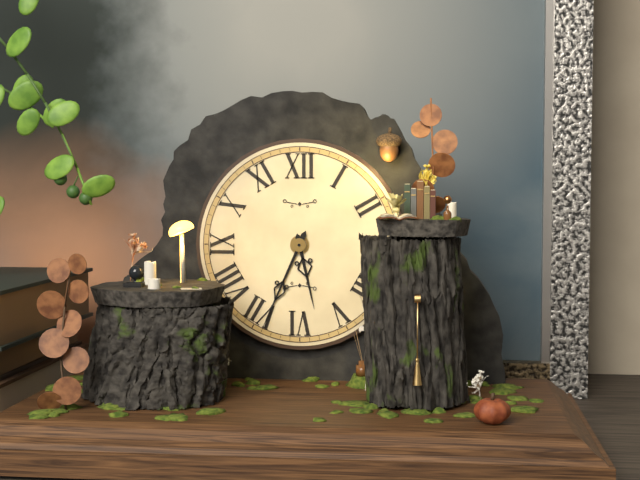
5:34
